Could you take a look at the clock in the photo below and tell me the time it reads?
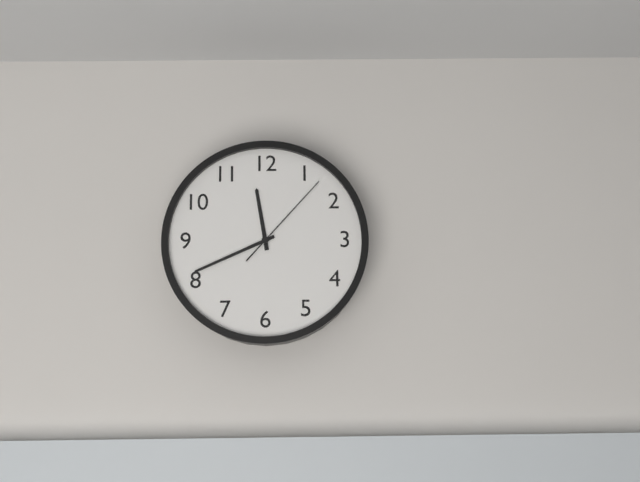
11:41:07
